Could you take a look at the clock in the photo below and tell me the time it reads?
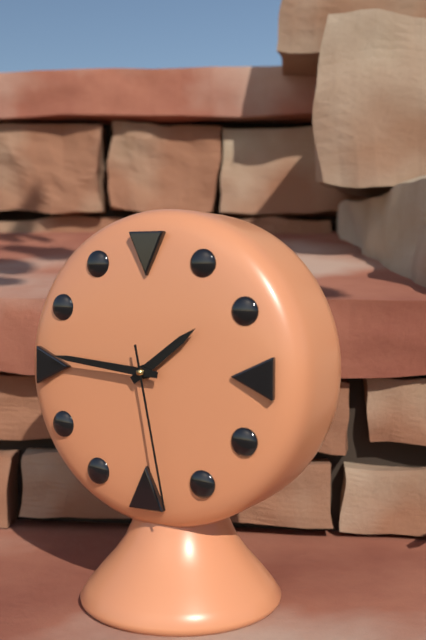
1:46:28
